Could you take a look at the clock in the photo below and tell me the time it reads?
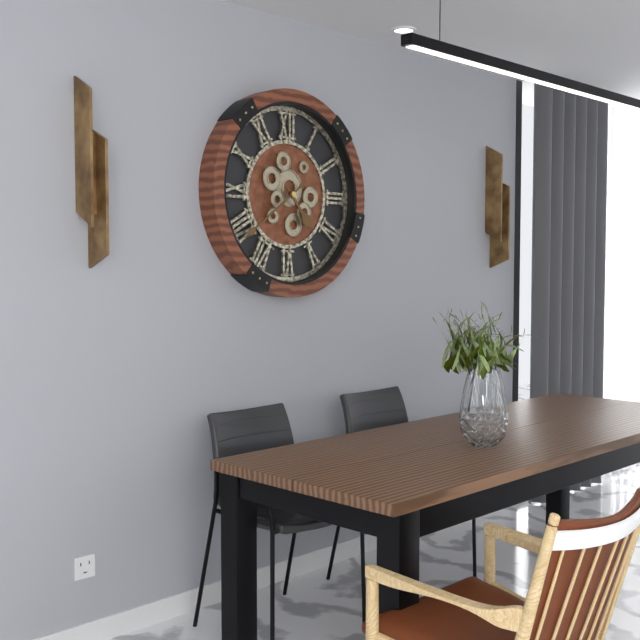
4:39
